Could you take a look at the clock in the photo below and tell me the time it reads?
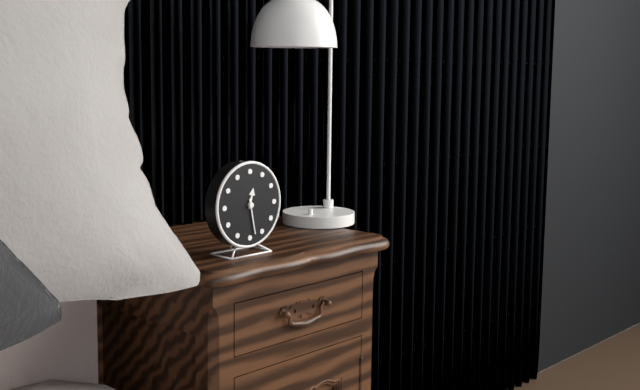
12:28
